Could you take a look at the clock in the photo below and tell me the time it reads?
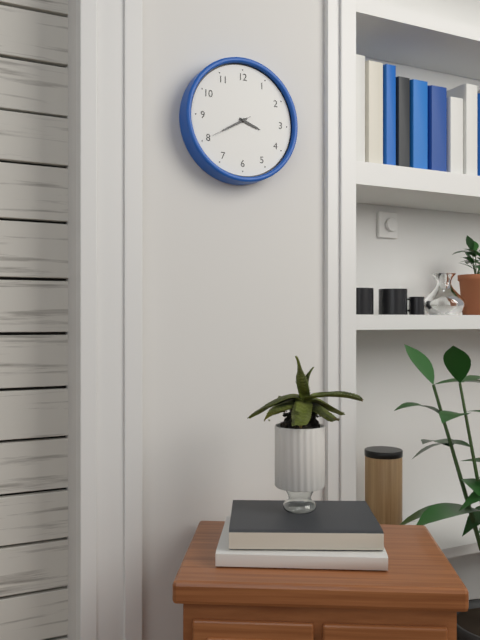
3:40
